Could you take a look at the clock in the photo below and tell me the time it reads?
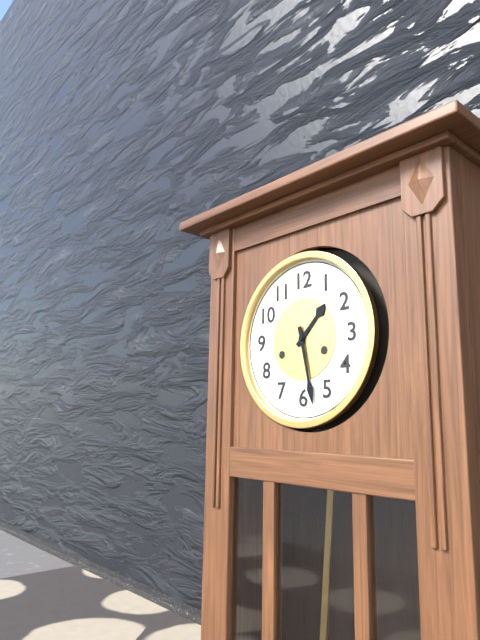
1:28
